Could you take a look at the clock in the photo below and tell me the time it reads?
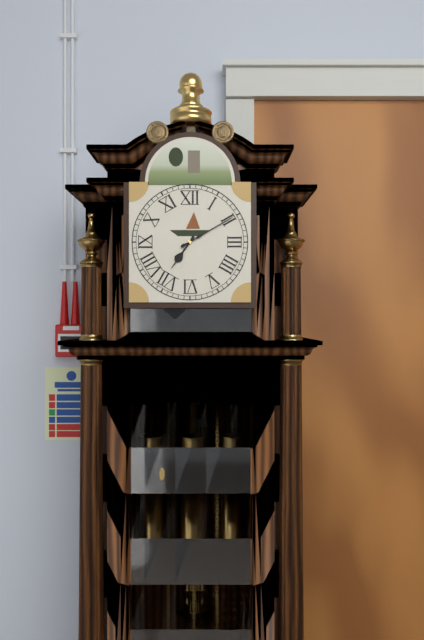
7:10
